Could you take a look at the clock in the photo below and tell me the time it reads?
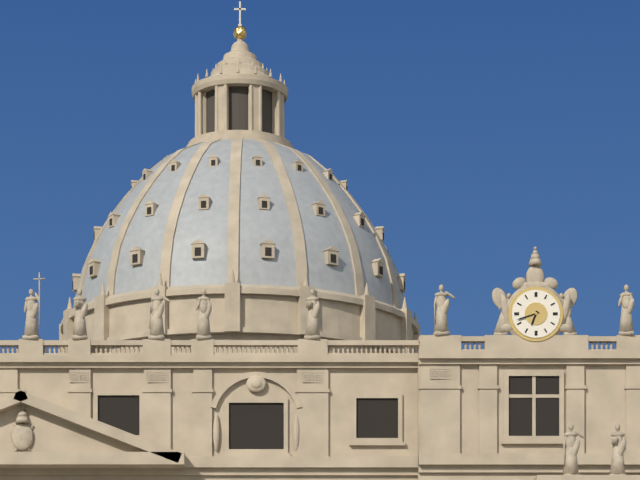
6:42
